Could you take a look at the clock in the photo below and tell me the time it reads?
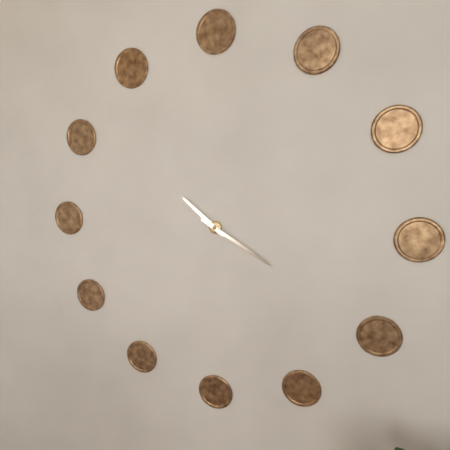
10:20
